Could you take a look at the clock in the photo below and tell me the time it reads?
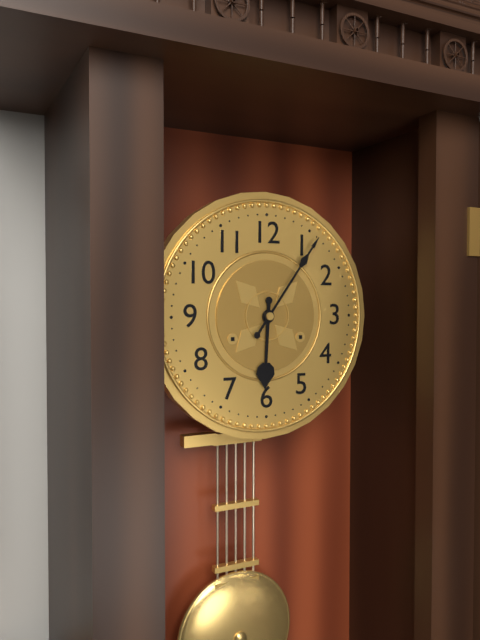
6:06
